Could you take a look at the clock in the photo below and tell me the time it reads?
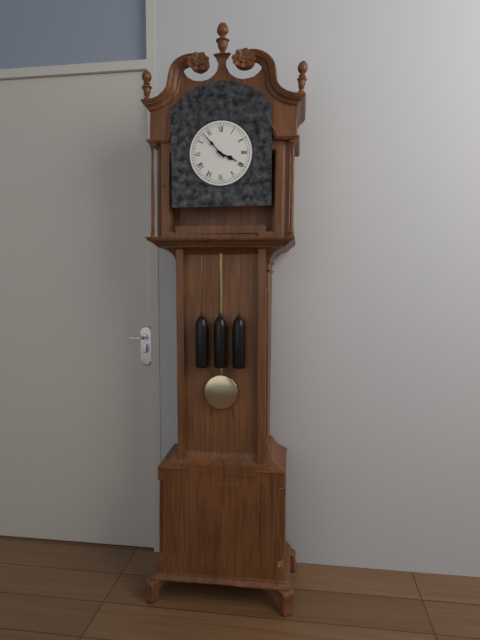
3:53
